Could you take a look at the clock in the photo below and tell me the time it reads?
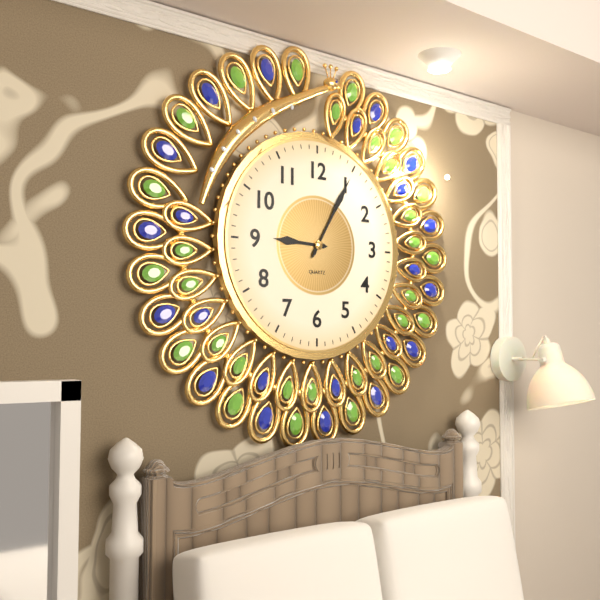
9:05
